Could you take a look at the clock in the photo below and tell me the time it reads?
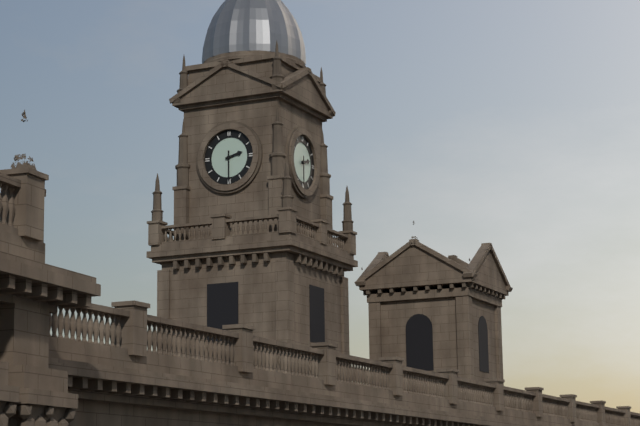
2:30
